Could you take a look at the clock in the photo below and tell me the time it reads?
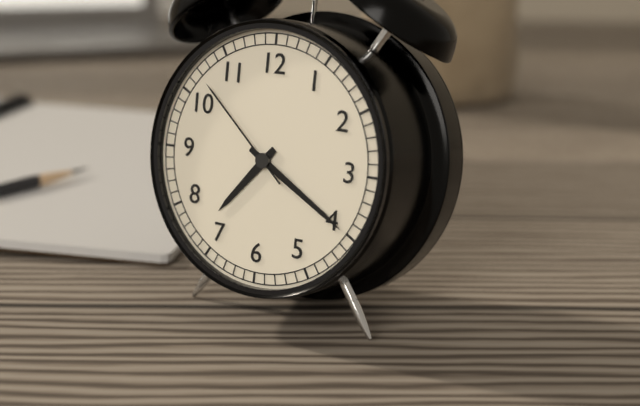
7:20:52
